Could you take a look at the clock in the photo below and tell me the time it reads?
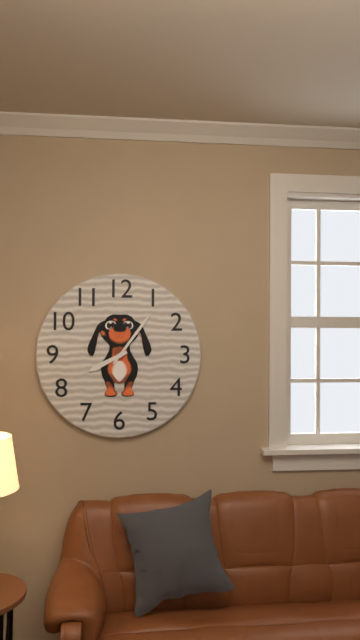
8:06
